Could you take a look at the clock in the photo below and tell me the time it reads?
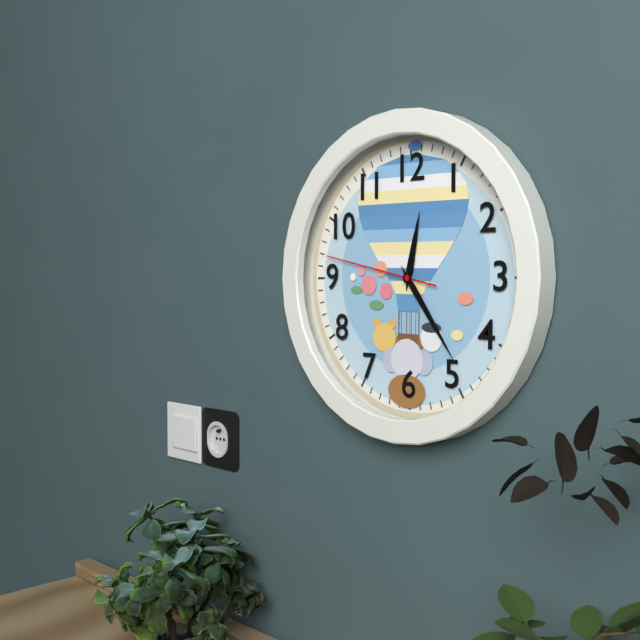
12:24:47
